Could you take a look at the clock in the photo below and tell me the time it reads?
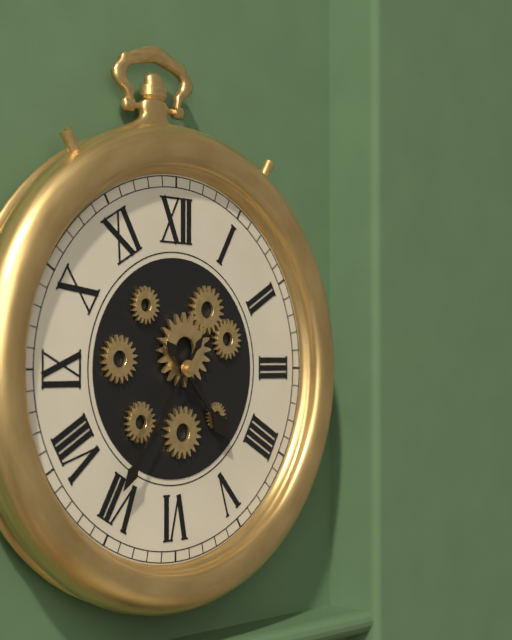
4:36
